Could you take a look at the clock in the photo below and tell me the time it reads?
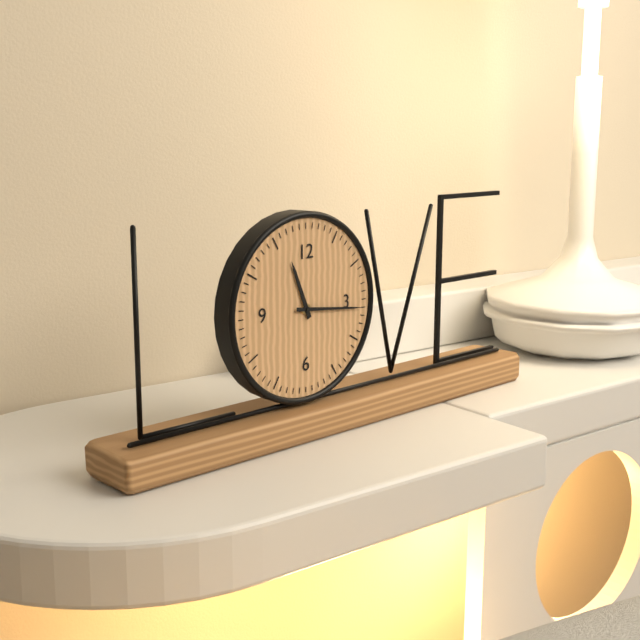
11:16
